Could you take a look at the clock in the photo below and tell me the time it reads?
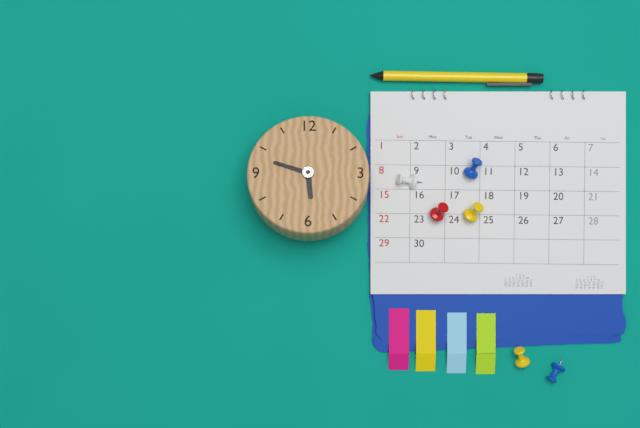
5:48
